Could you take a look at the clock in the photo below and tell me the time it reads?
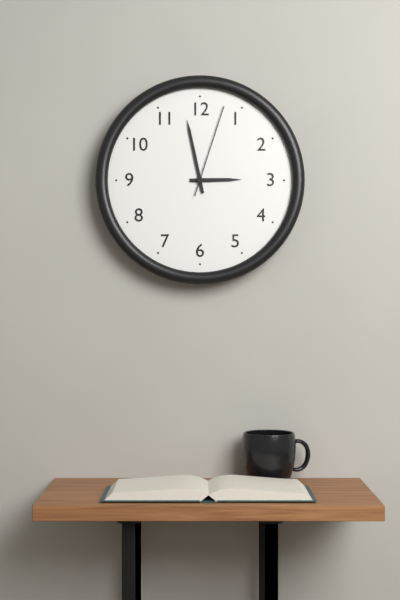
2:58:03
